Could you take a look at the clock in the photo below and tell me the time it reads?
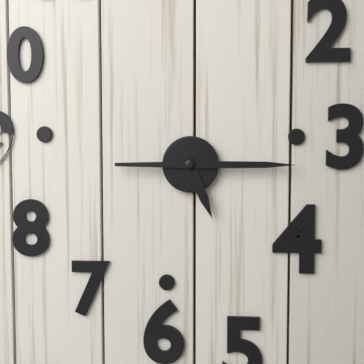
5:15
